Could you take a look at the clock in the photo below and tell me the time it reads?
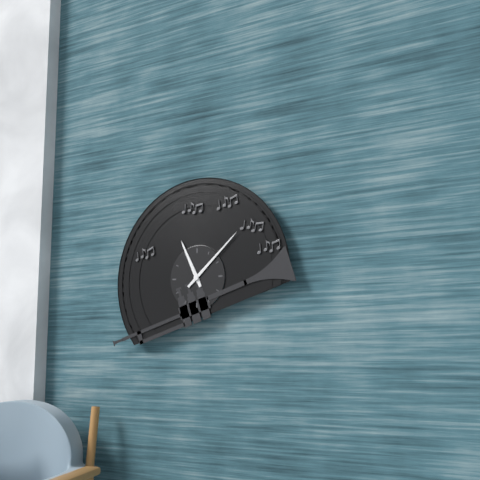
11:08
